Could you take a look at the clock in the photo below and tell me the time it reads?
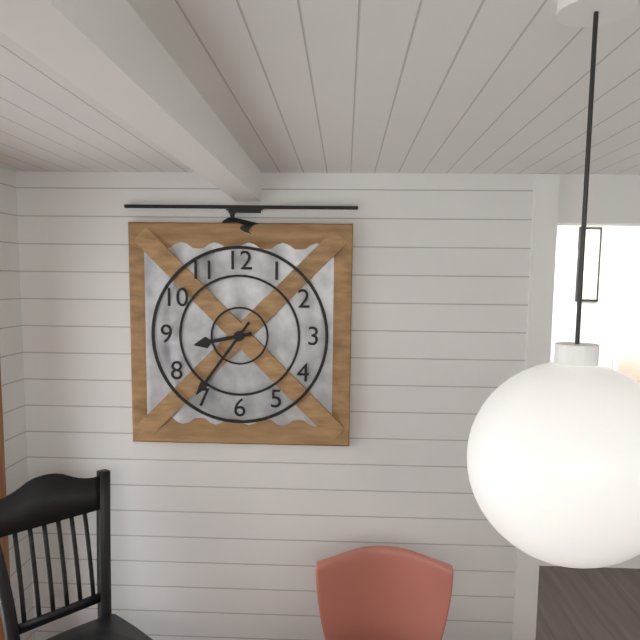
8:36
